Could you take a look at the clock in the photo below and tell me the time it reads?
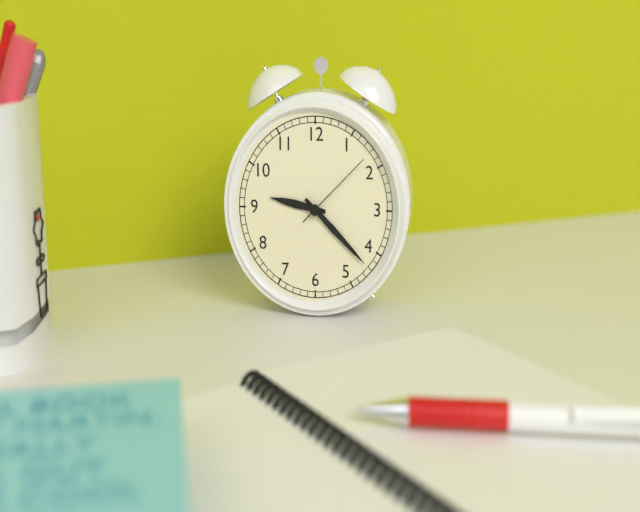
9:22:08
